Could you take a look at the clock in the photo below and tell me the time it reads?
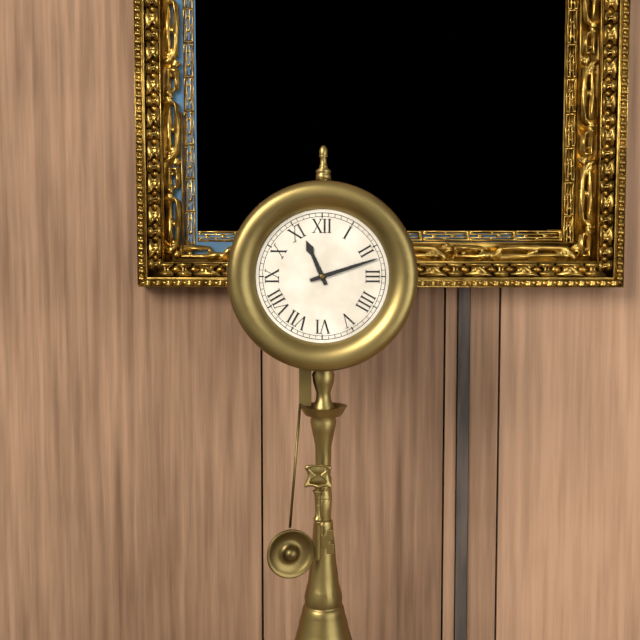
11:12
